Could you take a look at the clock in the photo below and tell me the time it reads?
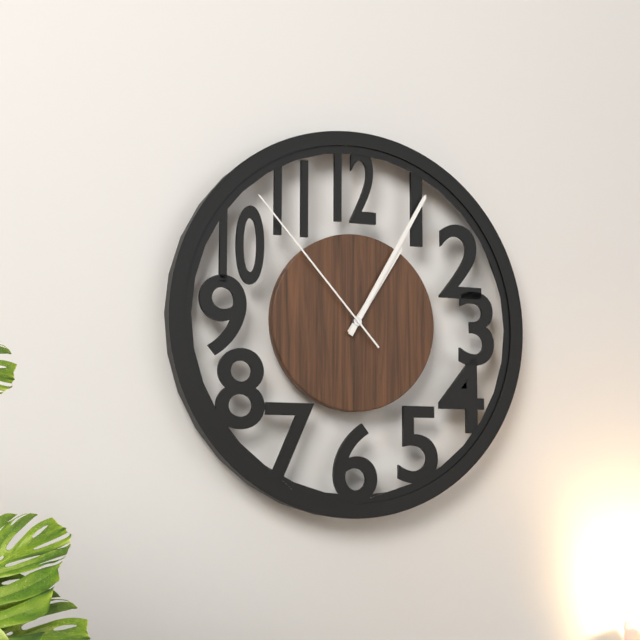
1:05:53
